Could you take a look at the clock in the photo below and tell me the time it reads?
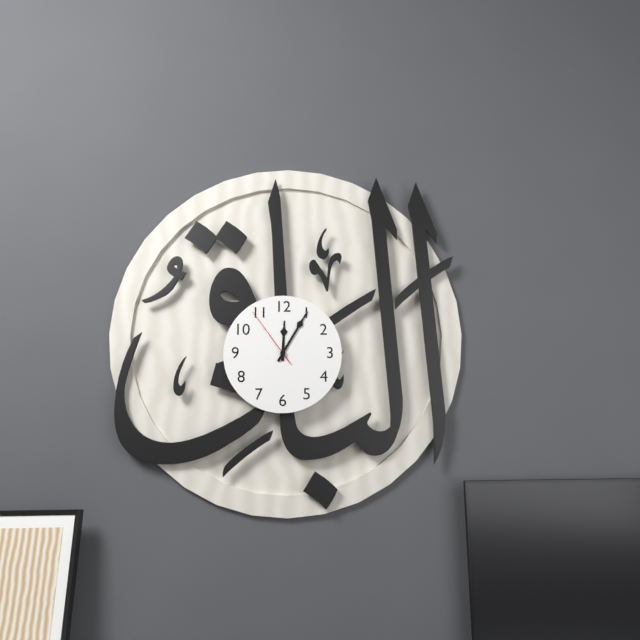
12:05:54
